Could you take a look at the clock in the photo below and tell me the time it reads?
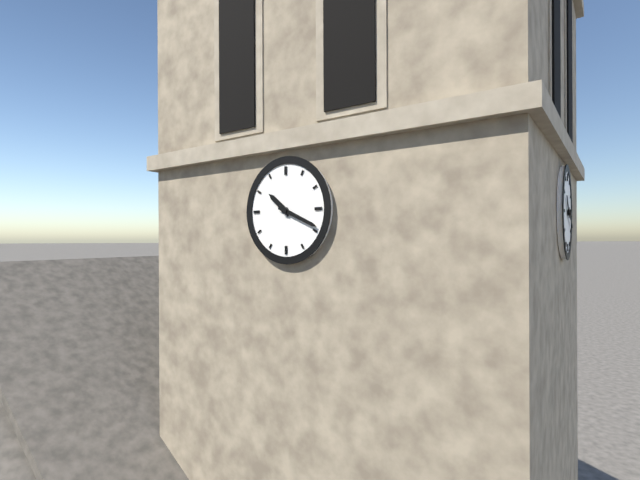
10:19
